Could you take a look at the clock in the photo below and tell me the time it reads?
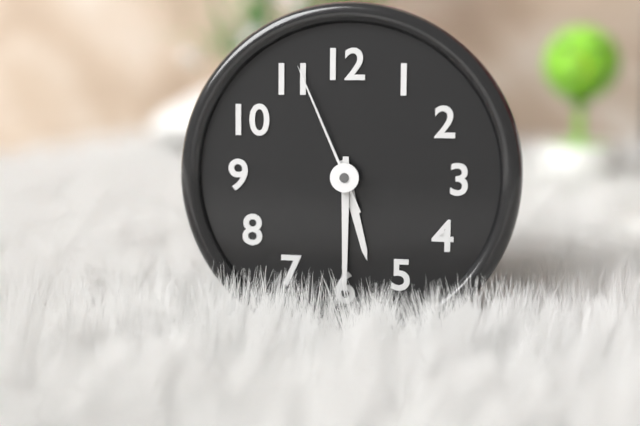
5:30:56
